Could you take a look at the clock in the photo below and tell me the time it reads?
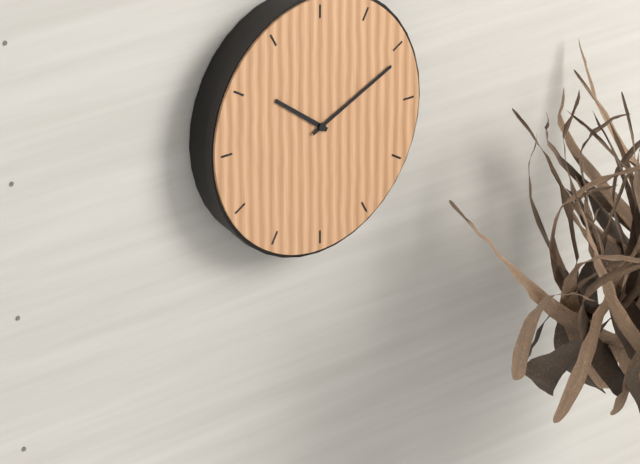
10:11
